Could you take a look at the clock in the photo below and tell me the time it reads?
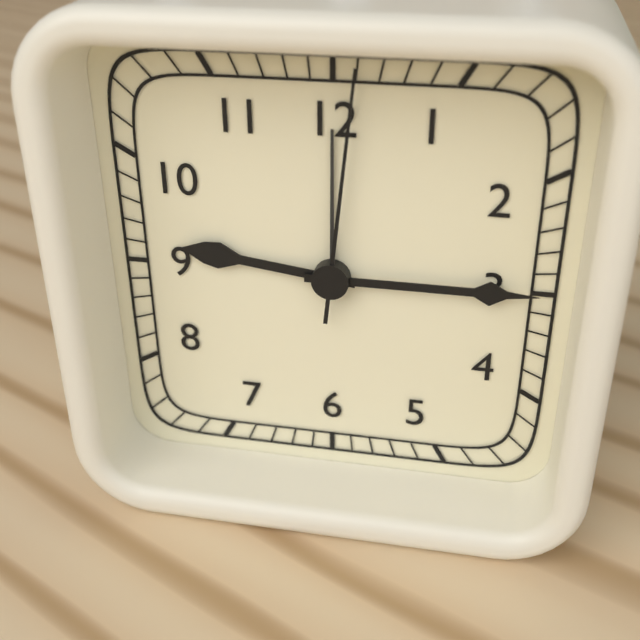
9:15:01
